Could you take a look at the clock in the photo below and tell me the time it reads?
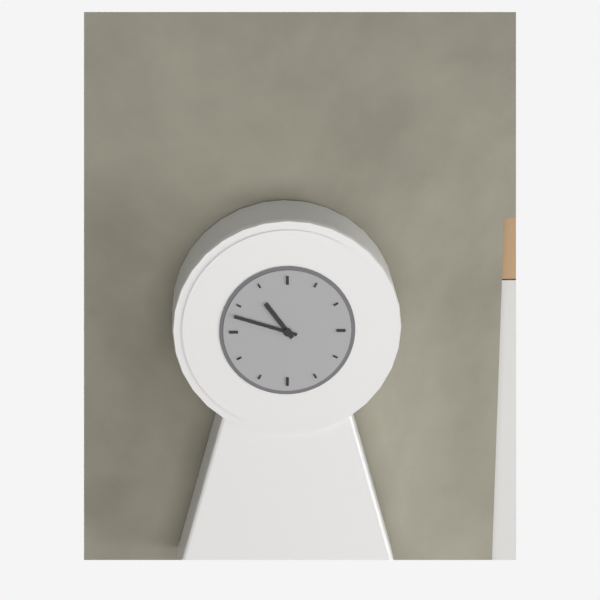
10:48
